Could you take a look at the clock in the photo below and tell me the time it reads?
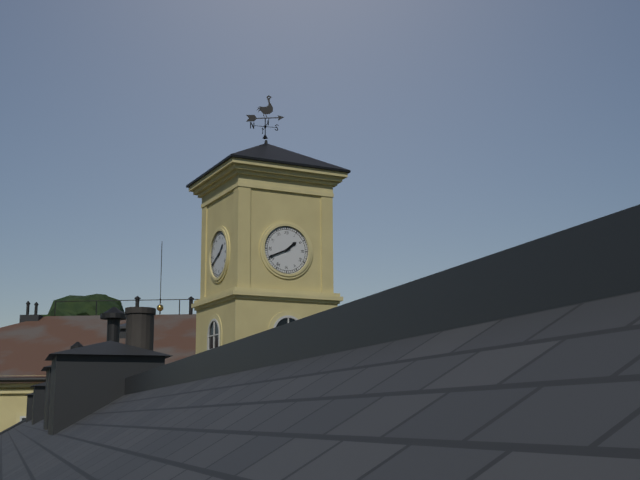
1:41
